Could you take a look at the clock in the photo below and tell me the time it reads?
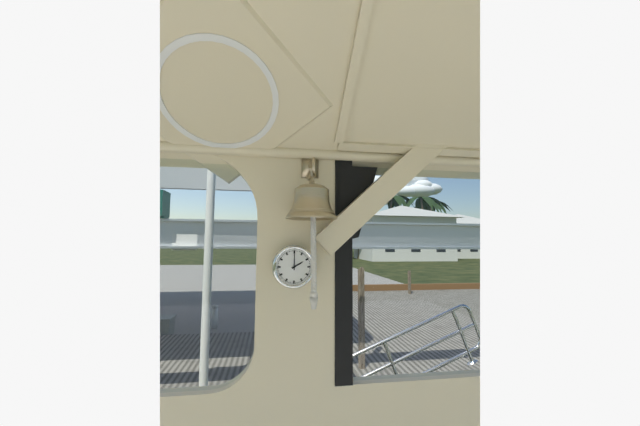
2:00
